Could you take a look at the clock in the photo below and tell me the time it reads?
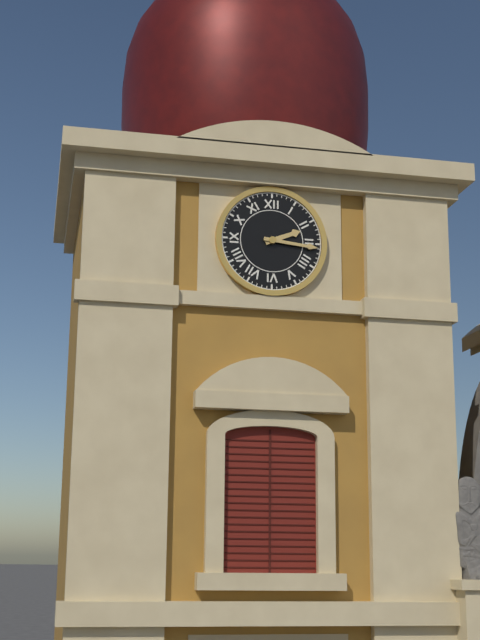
2:16
